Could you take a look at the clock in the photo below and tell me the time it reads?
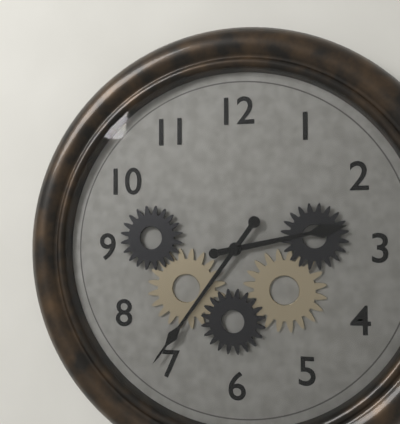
2:36
